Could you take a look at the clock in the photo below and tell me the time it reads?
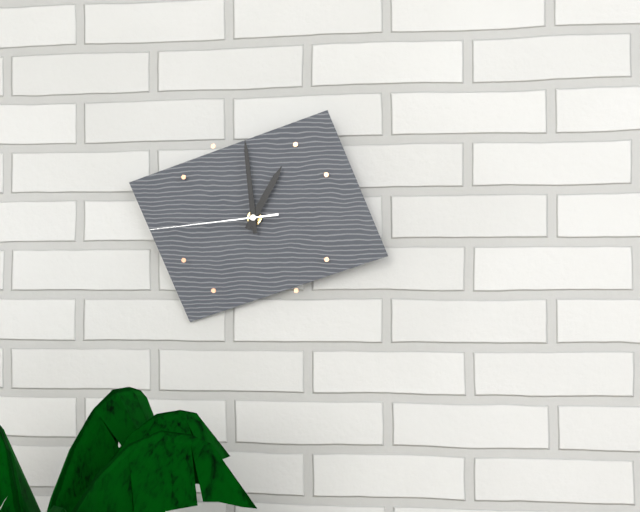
12:59:44
